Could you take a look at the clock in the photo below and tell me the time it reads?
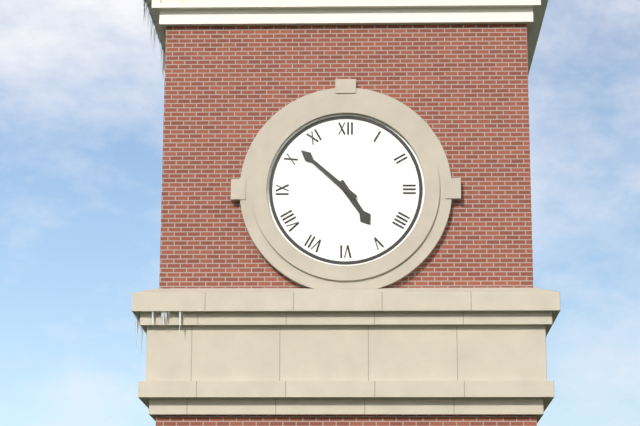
4:52
